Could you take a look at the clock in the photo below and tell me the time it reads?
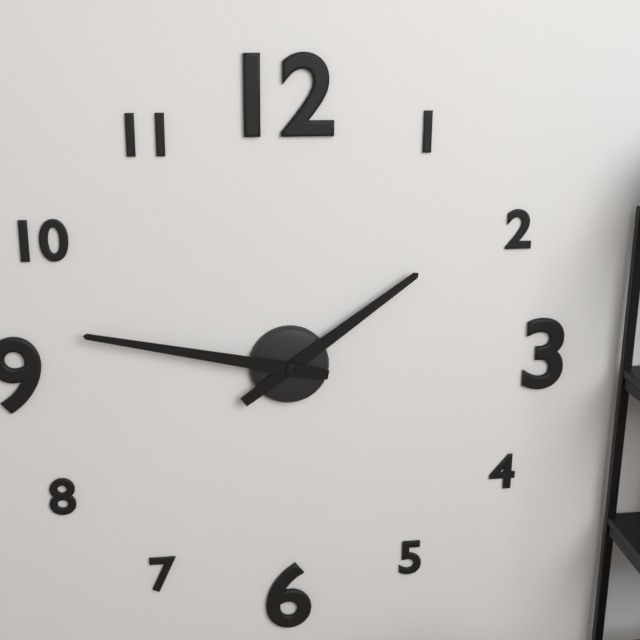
1:47
